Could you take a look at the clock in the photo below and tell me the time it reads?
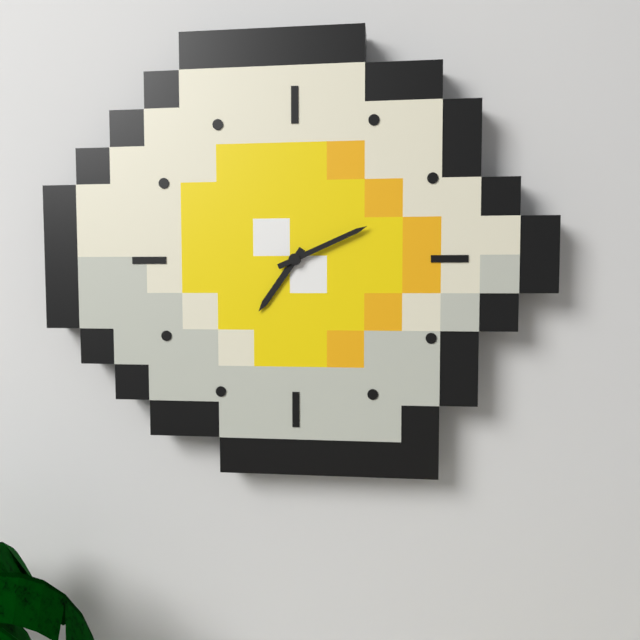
7:11
